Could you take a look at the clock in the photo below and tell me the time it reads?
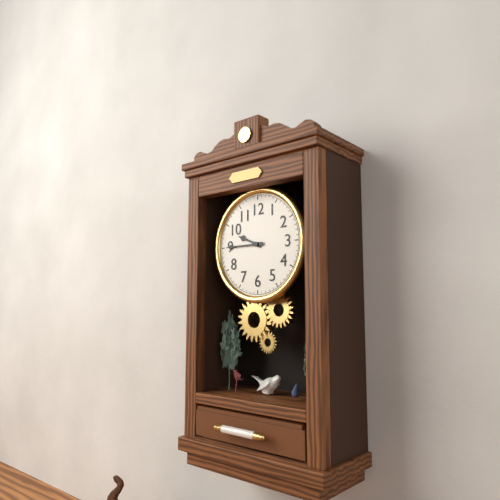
9:45
